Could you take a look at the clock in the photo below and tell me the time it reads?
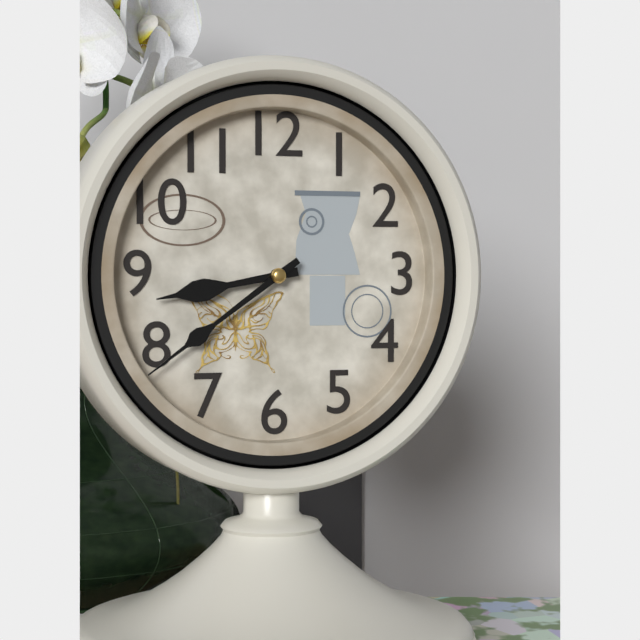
8:39
